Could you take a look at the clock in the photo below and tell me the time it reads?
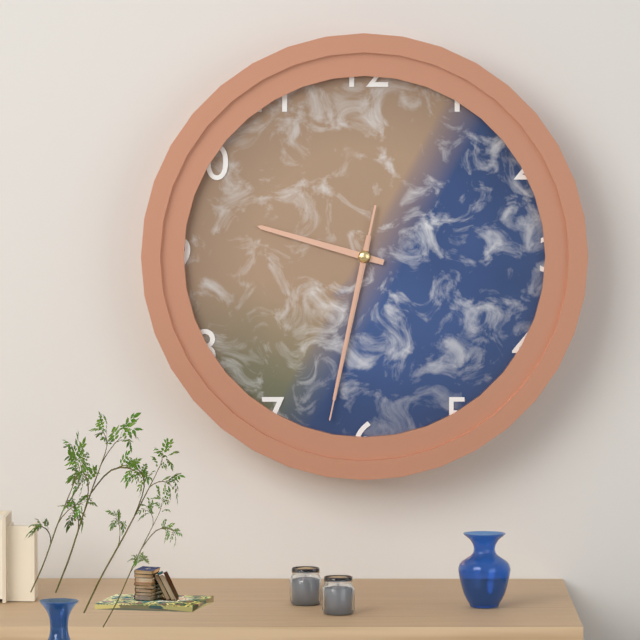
9:32:32
